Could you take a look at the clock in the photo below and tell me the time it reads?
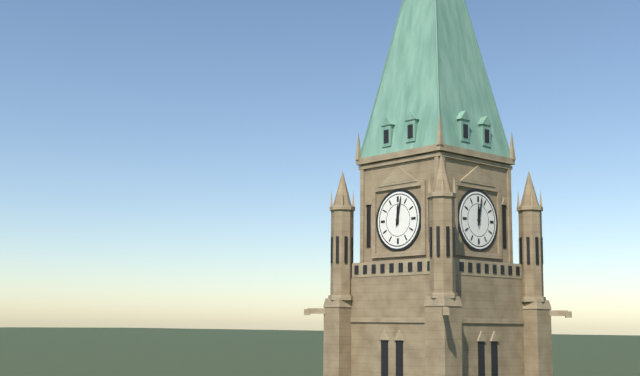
12:02
